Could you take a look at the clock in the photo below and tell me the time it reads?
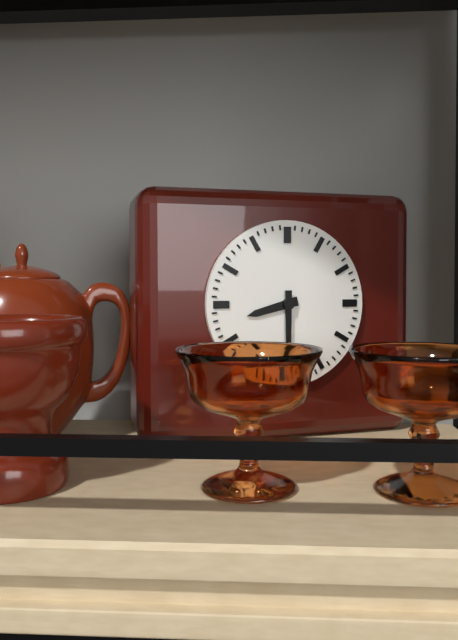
8:30
